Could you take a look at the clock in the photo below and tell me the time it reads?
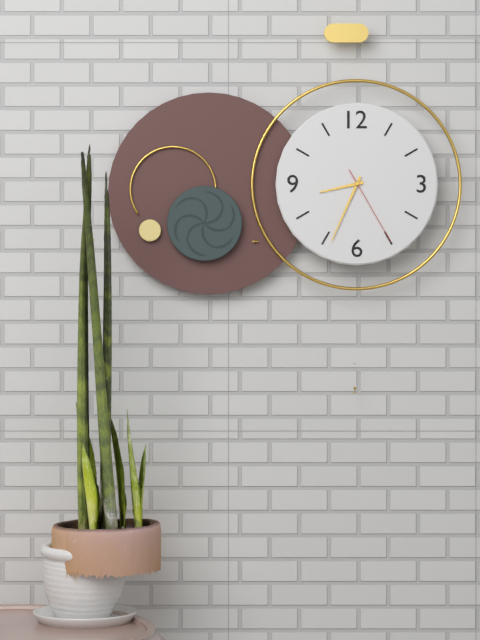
8:34:25
